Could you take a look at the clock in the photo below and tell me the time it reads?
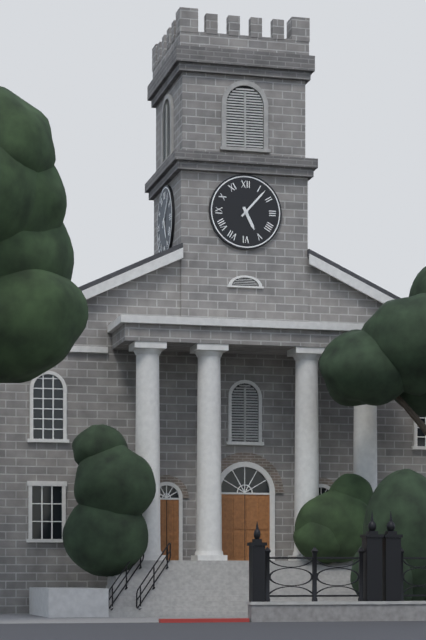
5:07
